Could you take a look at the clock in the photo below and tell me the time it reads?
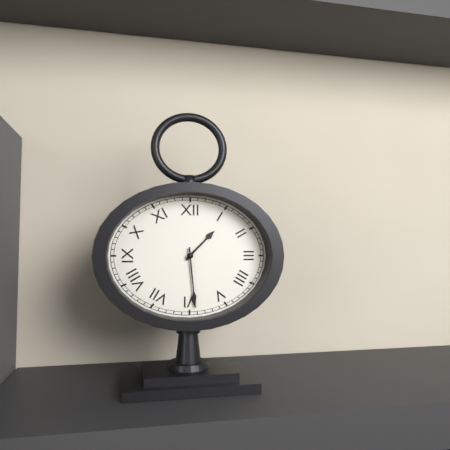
1:29
